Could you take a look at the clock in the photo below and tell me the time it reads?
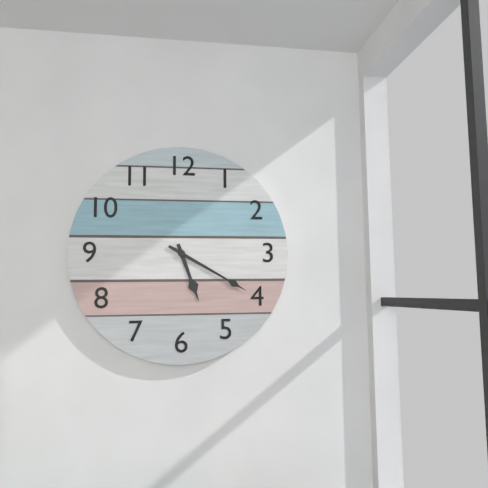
5:20
